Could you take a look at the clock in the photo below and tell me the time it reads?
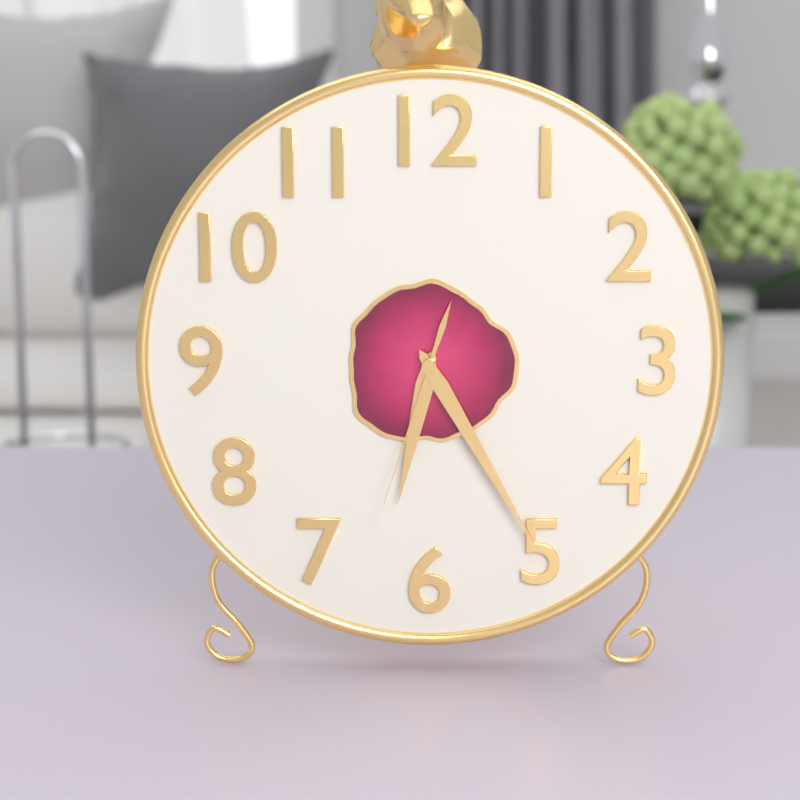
6:25:33
